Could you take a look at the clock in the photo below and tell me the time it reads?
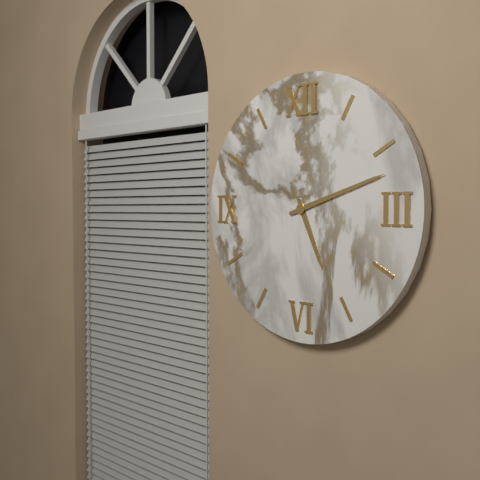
5:12
